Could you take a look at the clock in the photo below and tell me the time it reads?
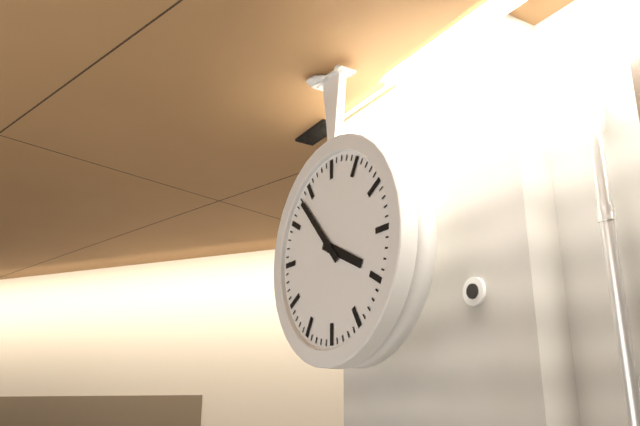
3:53
